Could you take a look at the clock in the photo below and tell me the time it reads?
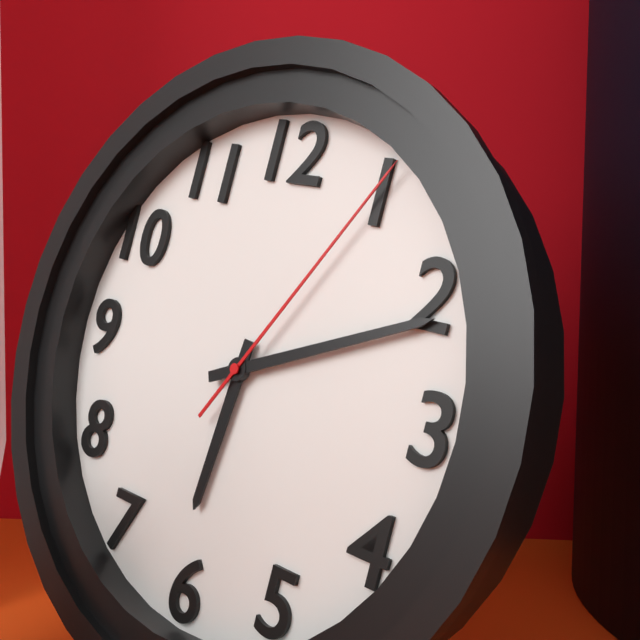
6:11:05
